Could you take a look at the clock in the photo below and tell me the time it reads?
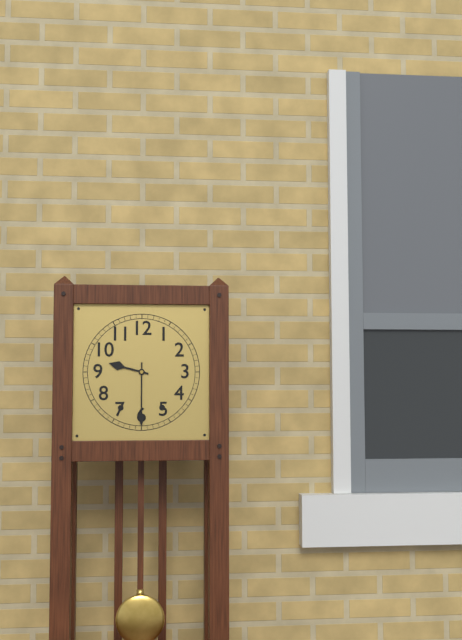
9:30
